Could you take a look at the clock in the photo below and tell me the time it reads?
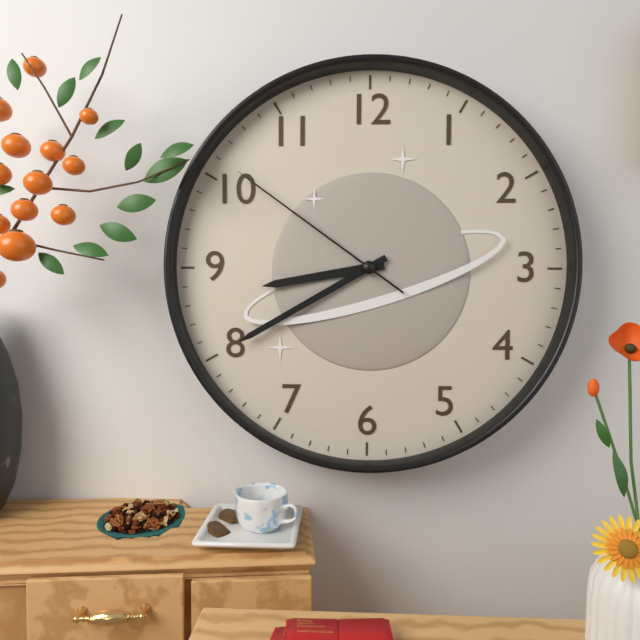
8:40:51
